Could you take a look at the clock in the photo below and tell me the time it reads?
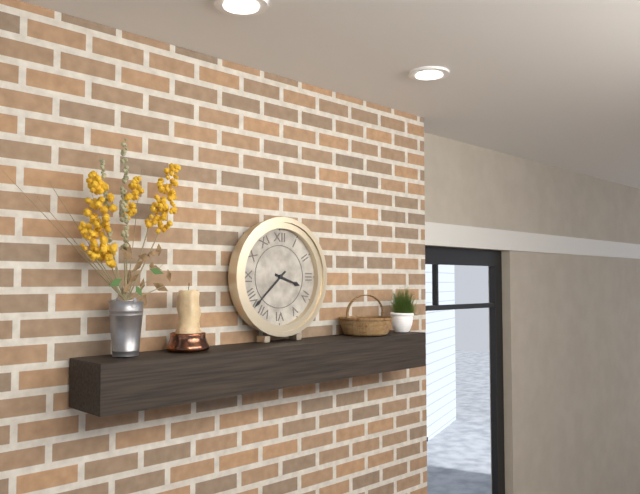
3:38
